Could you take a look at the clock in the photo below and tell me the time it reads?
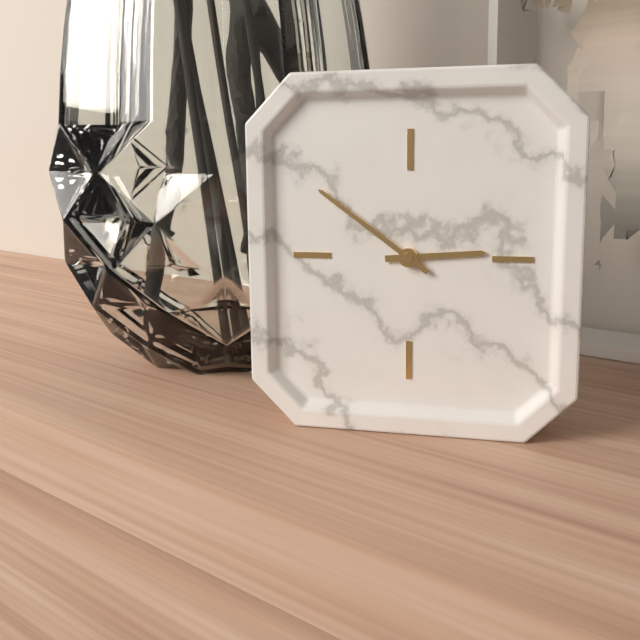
2:51
